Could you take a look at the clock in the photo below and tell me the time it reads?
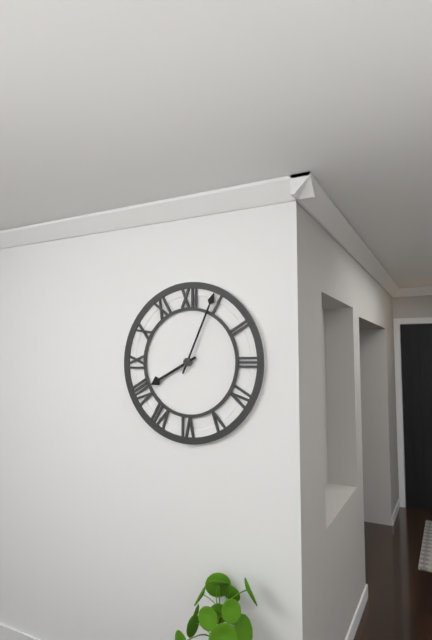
8:04
